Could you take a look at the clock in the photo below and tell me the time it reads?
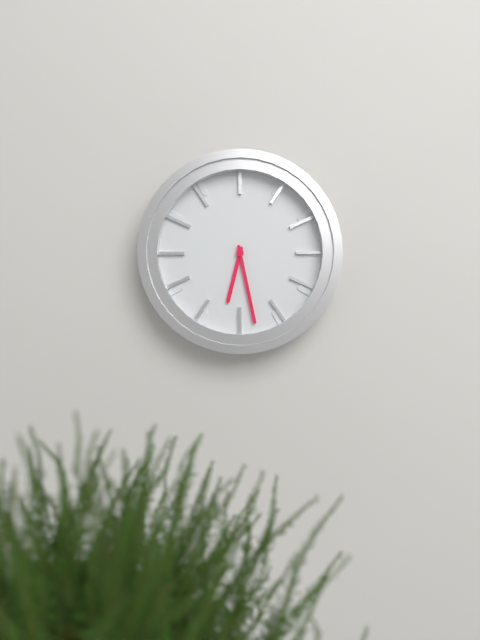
6:28
